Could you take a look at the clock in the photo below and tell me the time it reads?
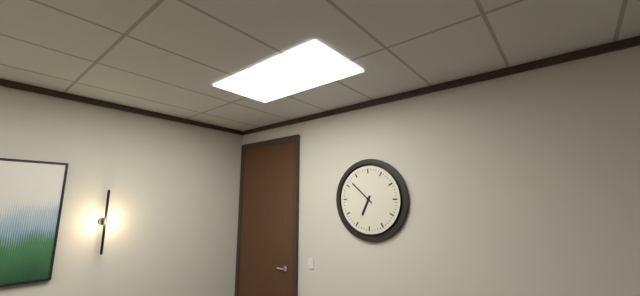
6:52
